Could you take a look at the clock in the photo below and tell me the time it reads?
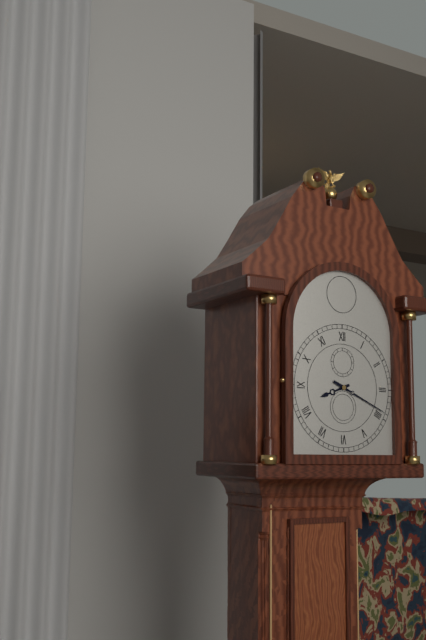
8:19
